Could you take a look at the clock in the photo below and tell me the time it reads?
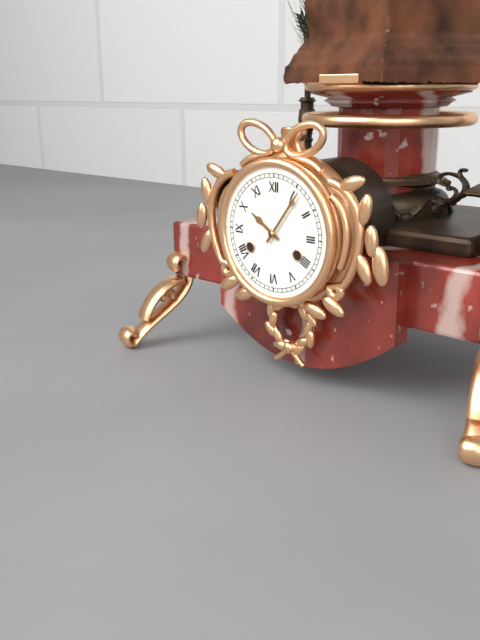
10:06
